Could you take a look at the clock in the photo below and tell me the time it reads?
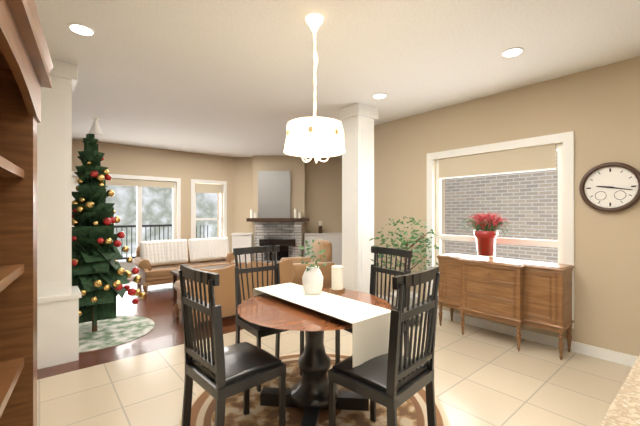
9:17
